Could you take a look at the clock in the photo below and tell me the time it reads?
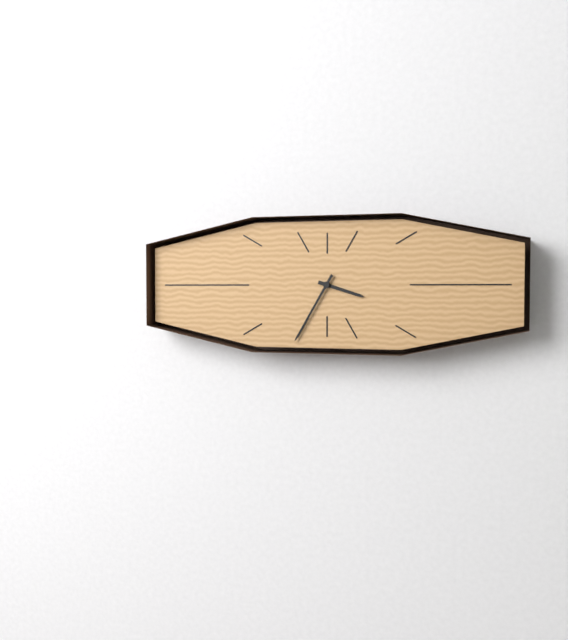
3:35
